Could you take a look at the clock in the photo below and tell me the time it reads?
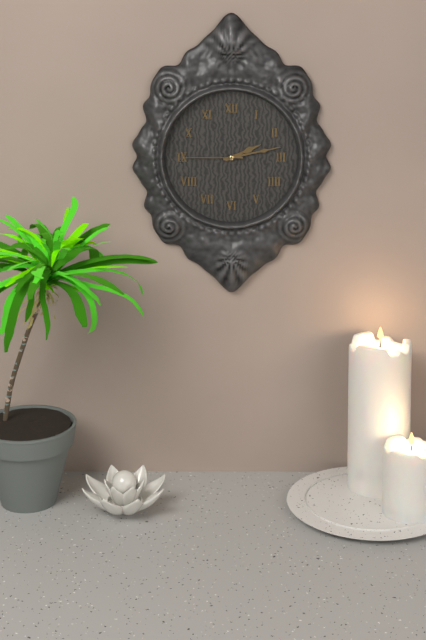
2:13:45
